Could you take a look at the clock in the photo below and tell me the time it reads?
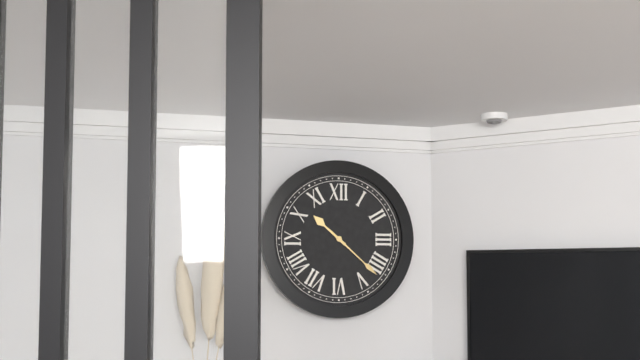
10:22
